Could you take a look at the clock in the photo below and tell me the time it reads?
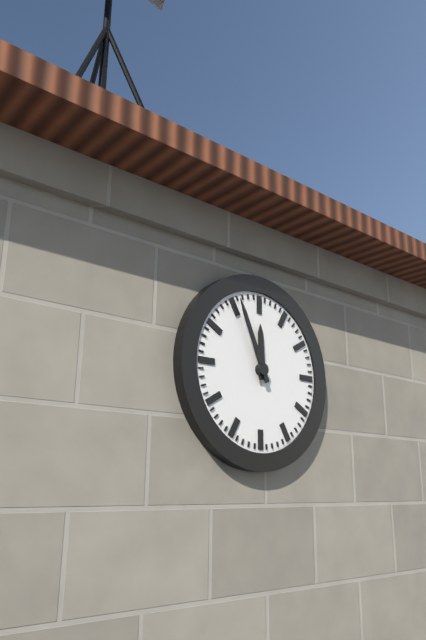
11:56
